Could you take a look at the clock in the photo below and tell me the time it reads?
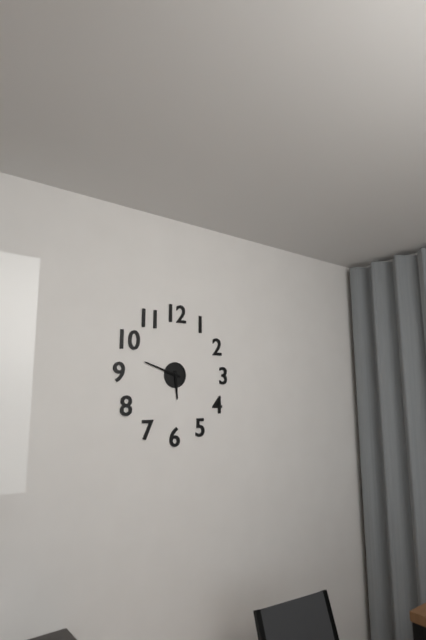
5:48
